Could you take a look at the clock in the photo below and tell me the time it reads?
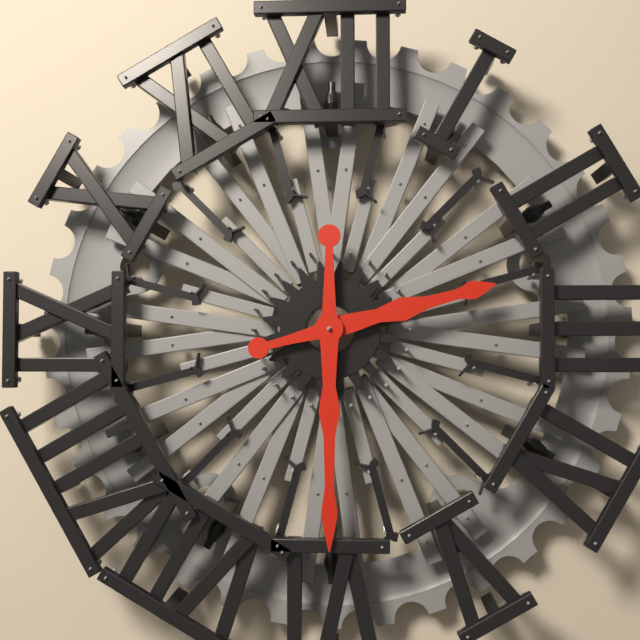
2:30
